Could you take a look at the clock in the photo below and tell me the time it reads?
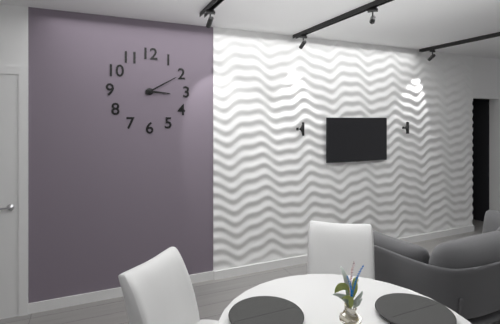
3:10
